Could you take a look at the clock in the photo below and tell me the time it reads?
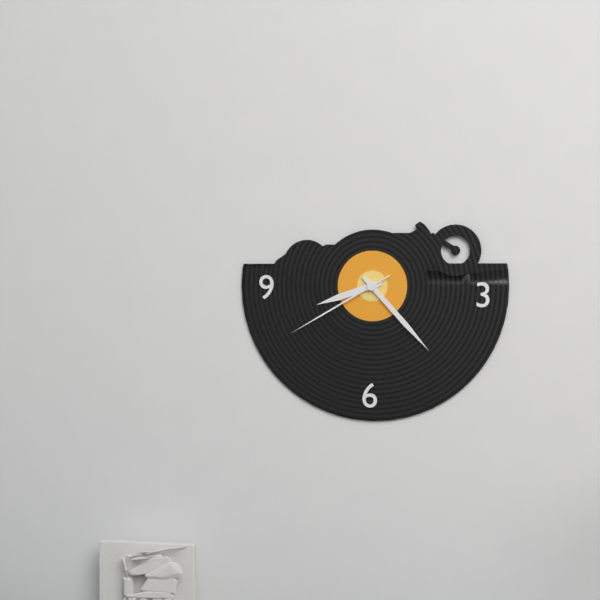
8:23:40
